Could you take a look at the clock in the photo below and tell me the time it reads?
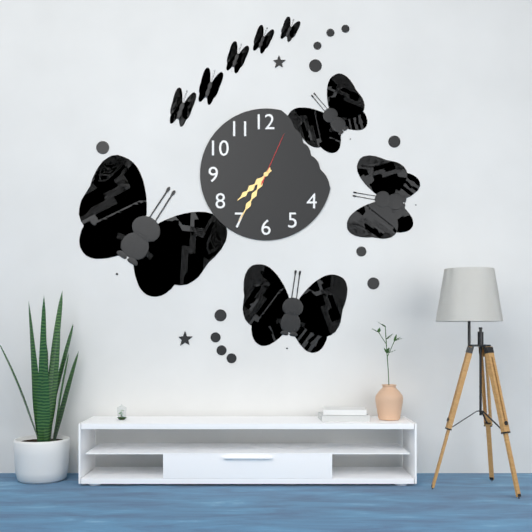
7:35:04
